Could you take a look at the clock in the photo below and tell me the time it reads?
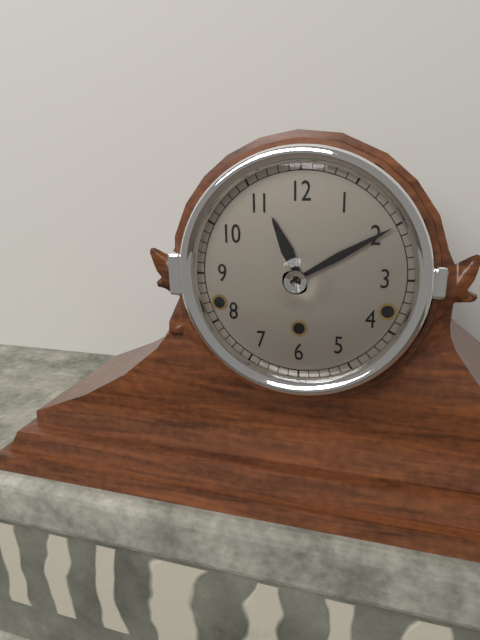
11:10
